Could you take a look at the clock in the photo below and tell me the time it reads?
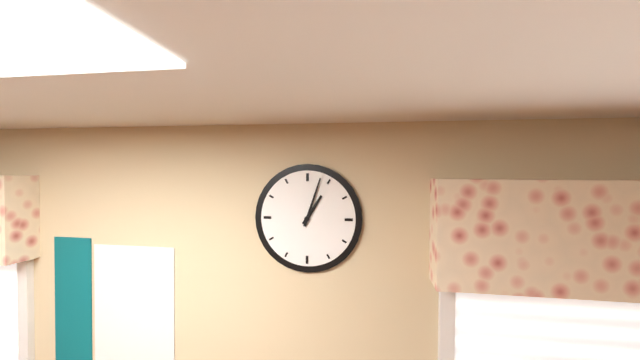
1:03
